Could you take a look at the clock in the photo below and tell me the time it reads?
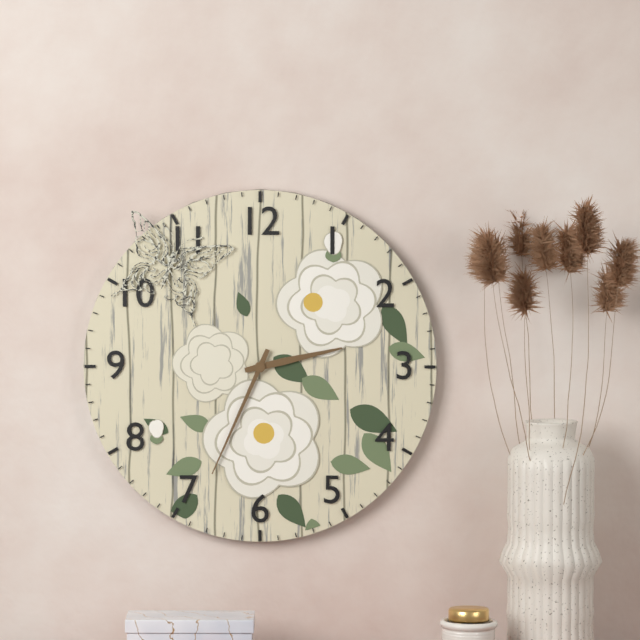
2:34
